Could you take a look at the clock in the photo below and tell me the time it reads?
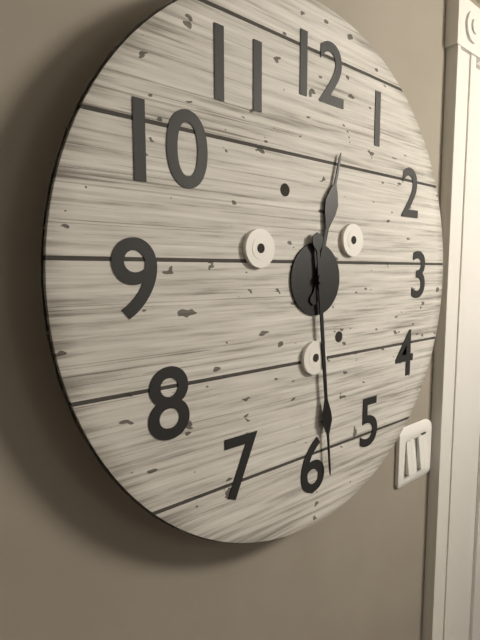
12:29
